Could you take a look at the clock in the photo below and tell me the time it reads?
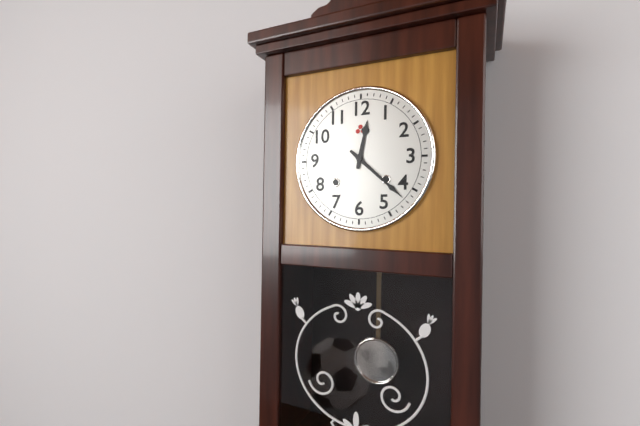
12:22
